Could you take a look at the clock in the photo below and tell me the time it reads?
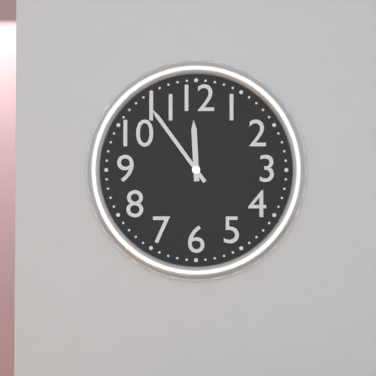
11:54
